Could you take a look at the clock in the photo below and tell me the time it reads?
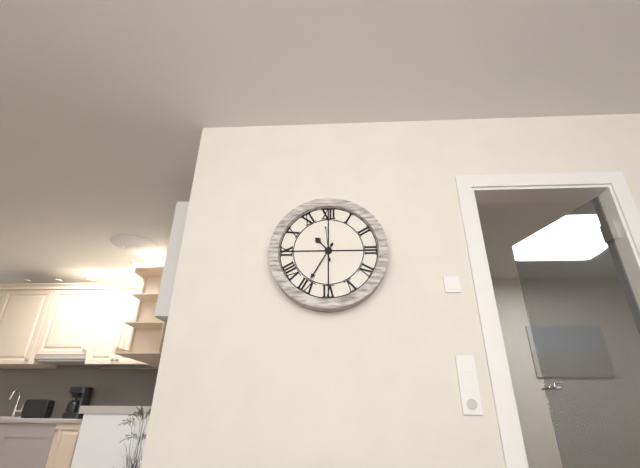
10:35
